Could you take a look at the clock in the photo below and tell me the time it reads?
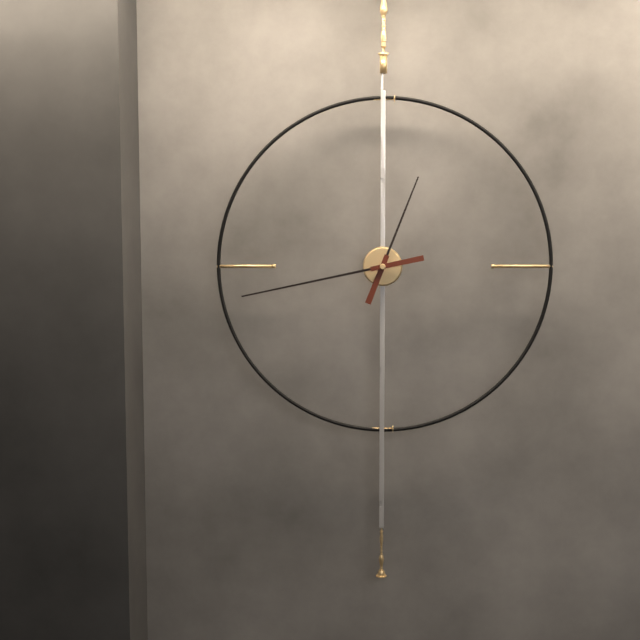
12:43
